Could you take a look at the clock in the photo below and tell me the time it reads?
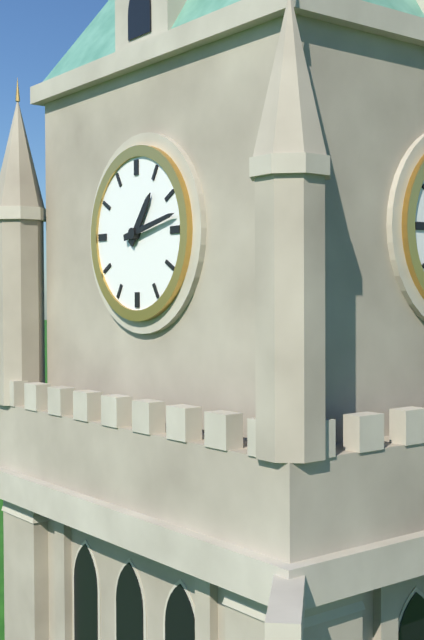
1:13
